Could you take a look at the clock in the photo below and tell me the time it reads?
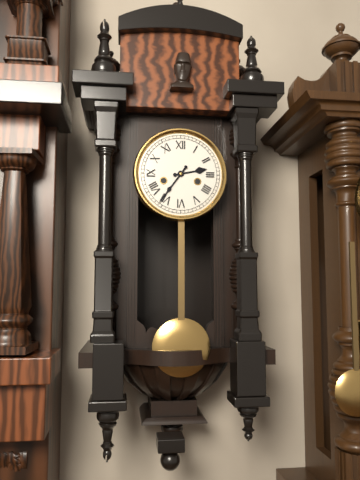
2:36
